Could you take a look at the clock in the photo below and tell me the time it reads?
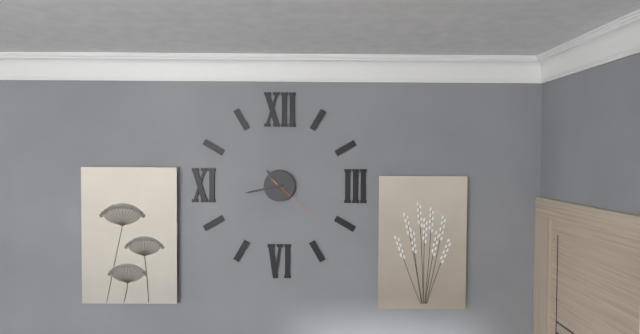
10:43
